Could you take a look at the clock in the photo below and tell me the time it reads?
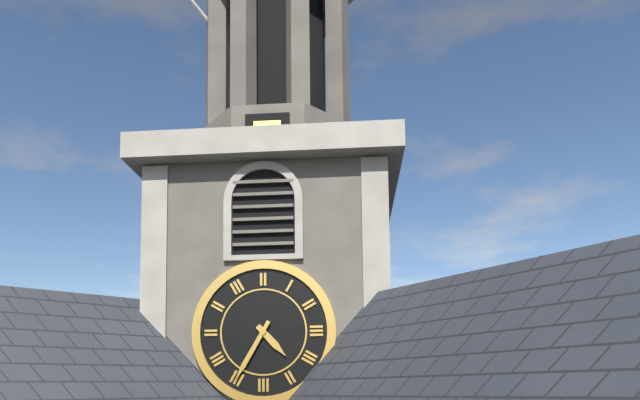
4:35
